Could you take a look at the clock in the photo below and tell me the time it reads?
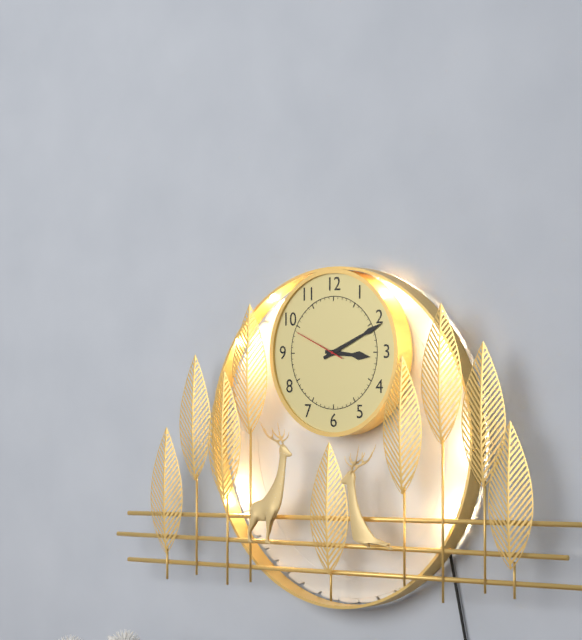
3:11:49
